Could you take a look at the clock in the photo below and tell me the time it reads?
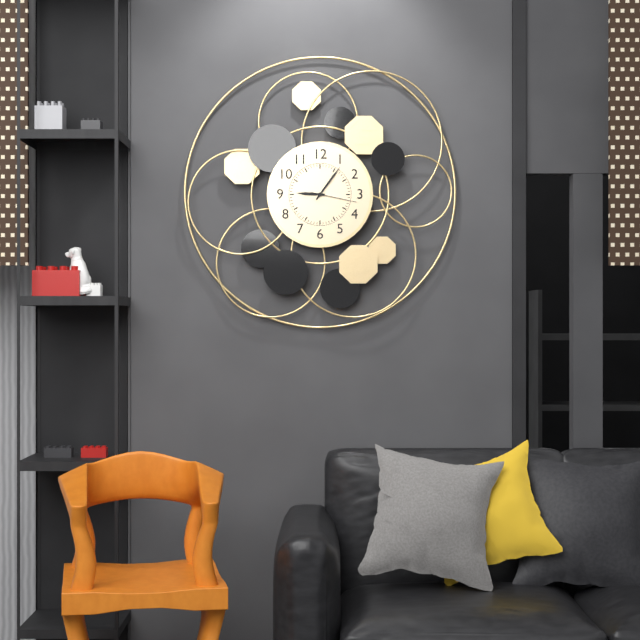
9:06
